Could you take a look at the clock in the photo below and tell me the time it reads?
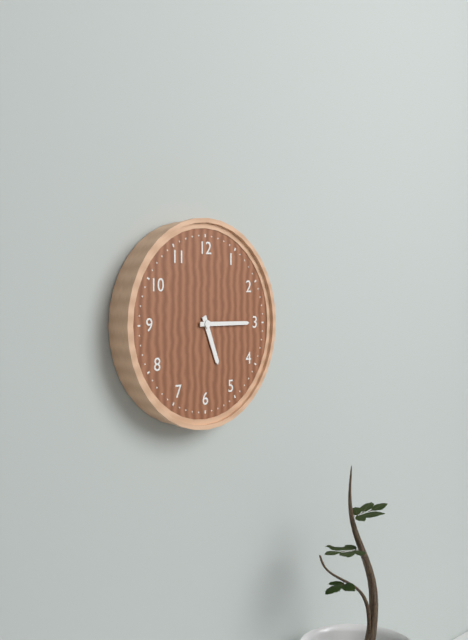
5:15
